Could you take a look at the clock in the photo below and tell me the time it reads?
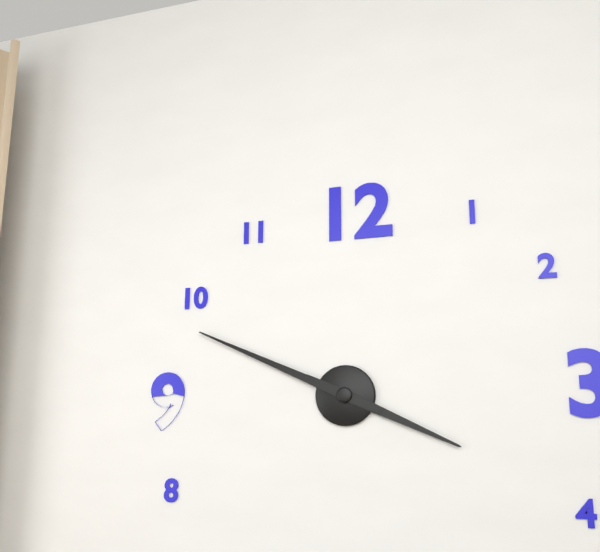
3:49
